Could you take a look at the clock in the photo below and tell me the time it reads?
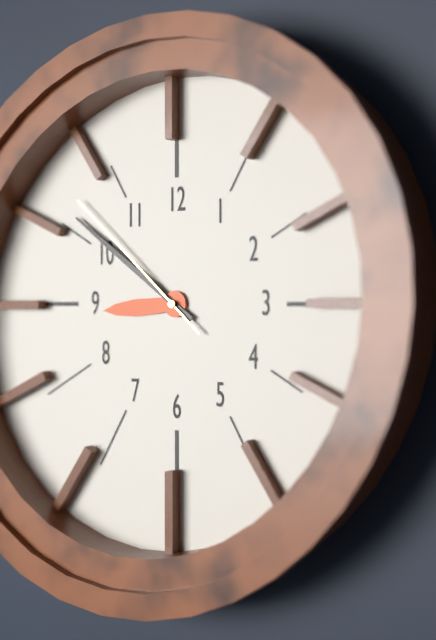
8:51:52
